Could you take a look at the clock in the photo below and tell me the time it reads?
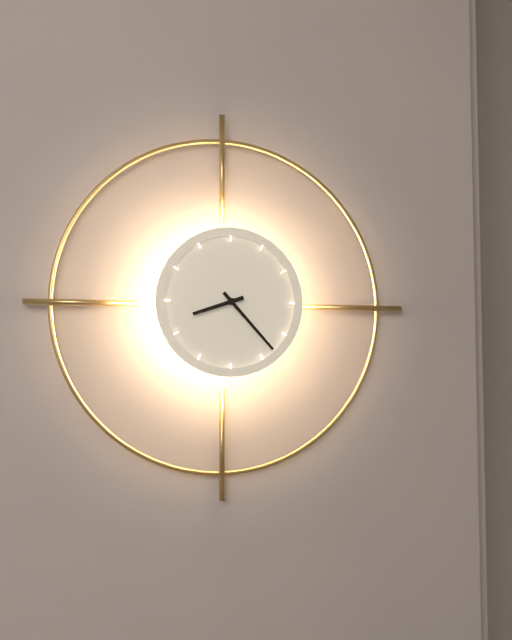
8:23
